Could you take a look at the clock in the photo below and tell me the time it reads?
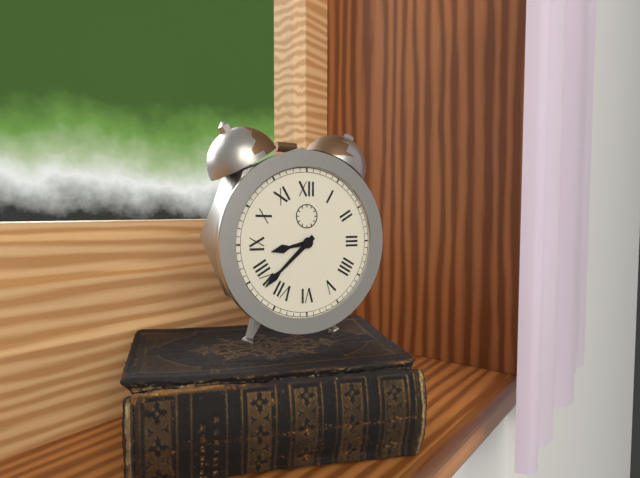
8:38
